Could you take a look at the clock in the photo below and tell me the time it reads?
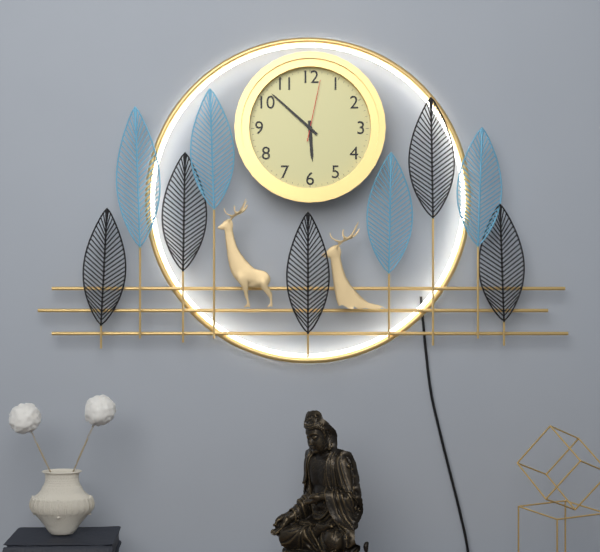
5:52:02
